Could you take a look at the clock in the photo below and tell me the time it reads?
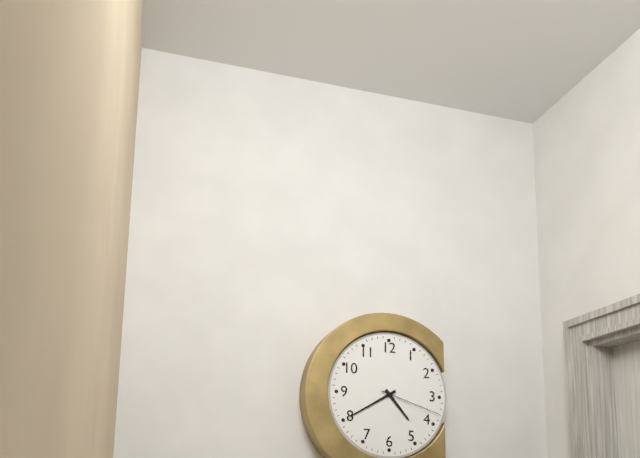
4:40:18
